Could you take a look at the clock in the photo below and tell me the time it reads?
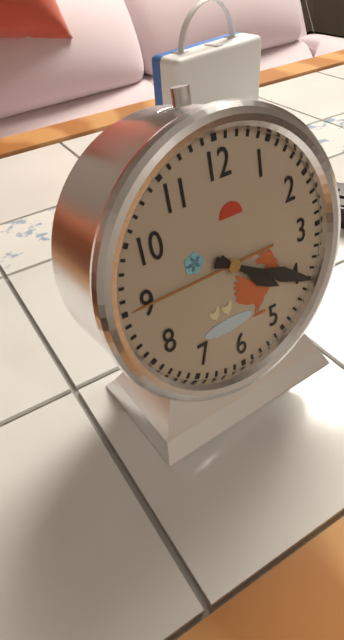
4:20
